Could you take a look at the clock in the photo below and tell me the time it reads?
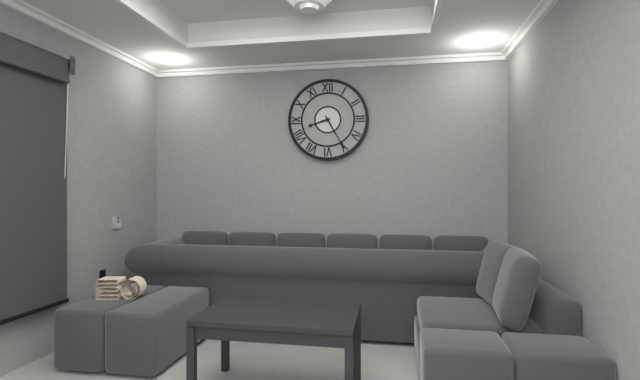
8:25
